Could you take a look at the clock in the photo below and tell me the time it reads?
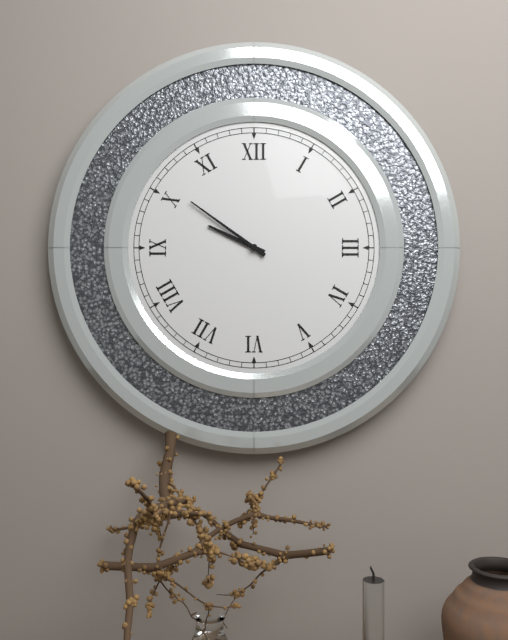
9:51
